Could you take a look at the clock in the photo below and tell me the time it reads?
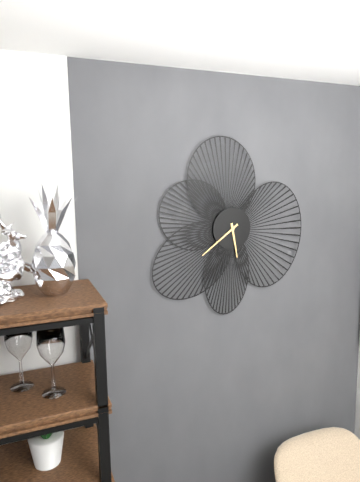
5:39
